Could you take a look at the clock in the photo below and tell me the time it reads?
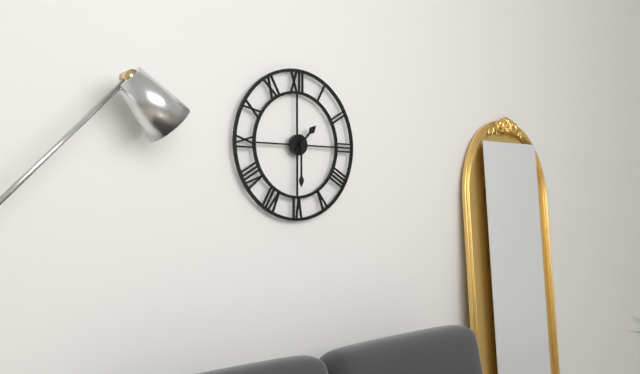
1:30
